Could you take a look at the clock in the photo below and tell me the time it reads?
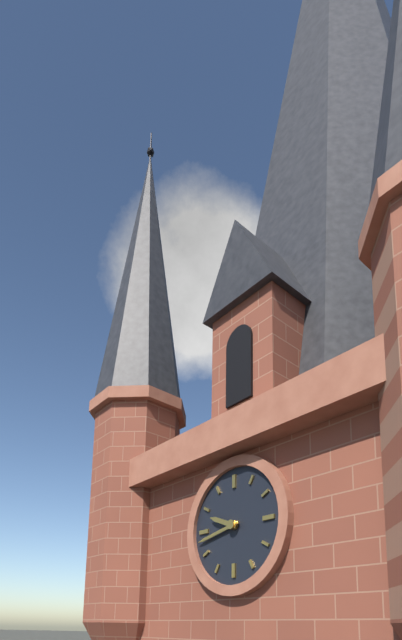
9:43
